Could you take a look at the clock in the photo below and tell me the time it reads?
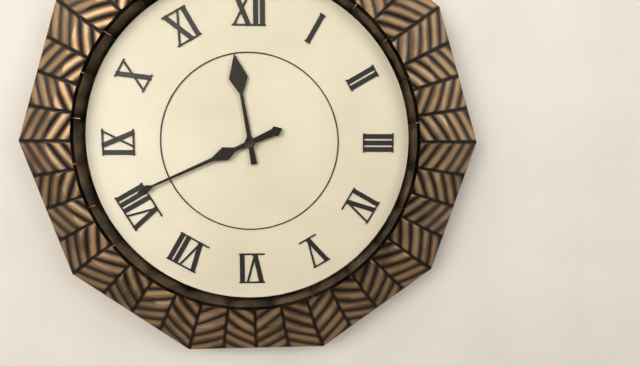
11:41
